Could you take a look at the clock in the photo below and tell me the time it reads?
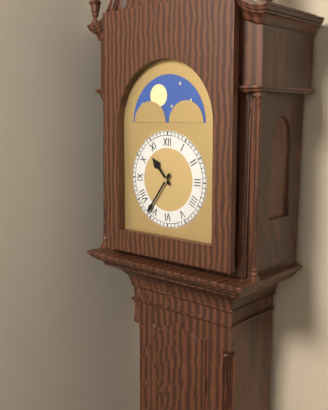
10:36
